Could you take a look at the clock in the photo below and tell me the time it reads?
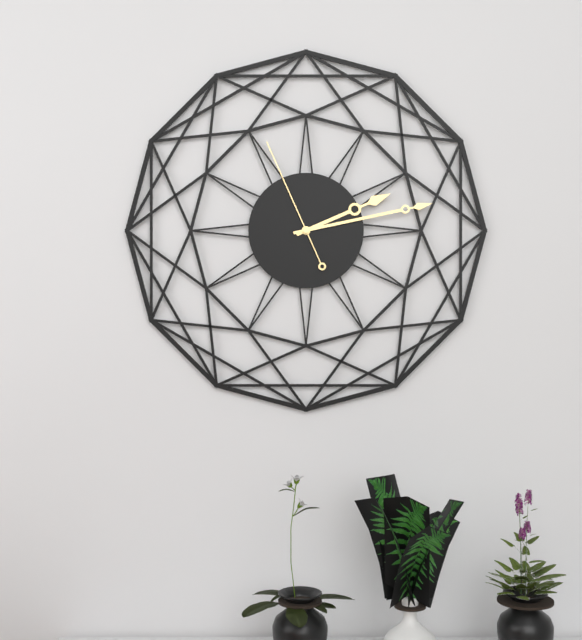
2:13:56
